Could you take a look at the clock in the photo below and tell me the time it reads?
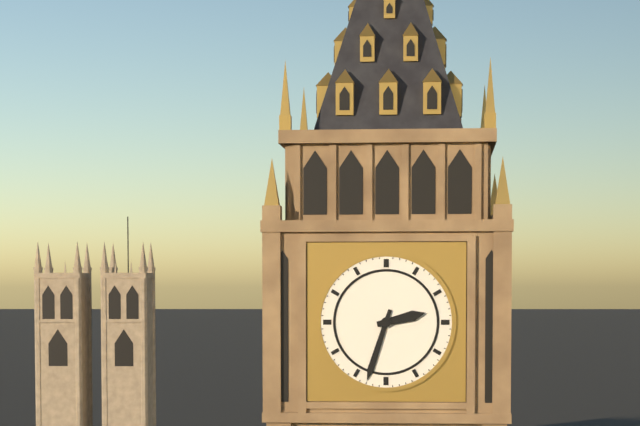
2:33
